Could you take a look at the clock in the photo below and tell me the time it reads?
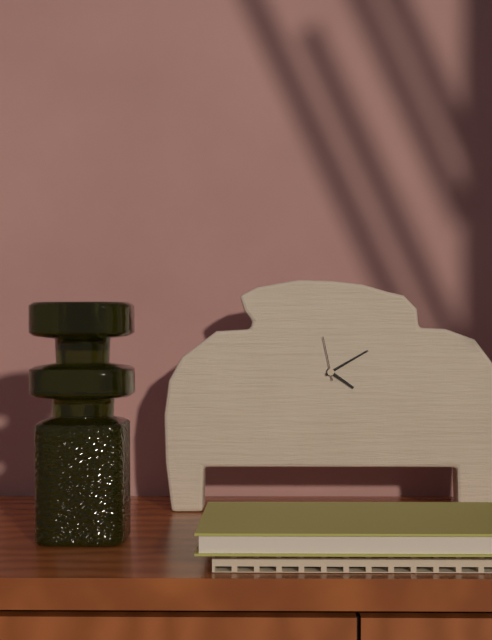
4:10
